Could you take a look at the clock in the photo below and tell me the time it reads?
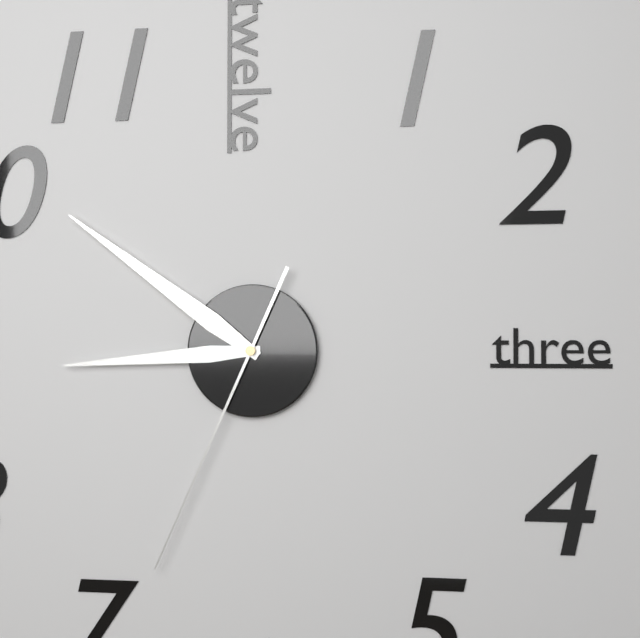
8:51:34
